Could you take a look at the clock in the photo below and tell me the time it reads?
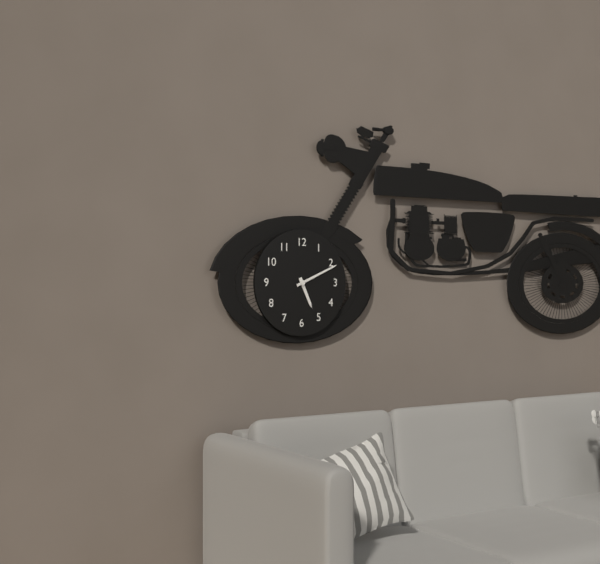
5:11
